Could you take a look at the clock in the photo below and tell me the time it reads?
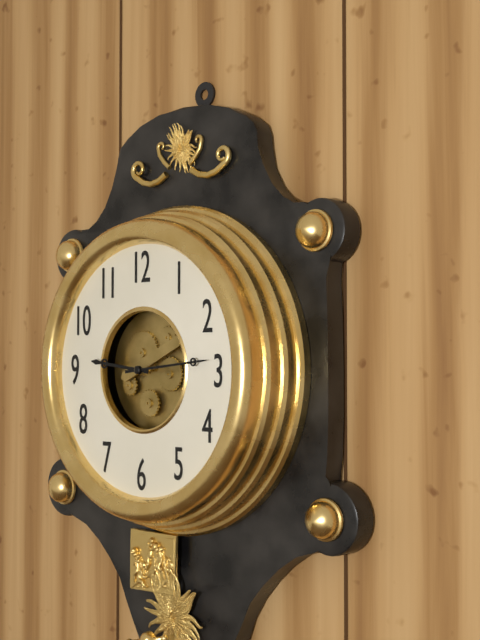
9:14
